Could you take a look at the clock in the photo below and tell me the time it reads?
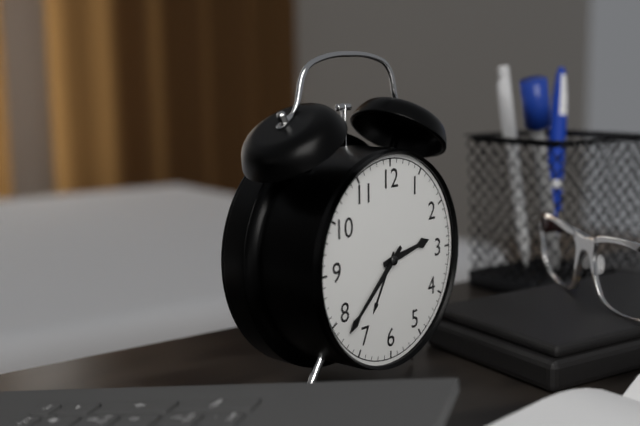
2:38
